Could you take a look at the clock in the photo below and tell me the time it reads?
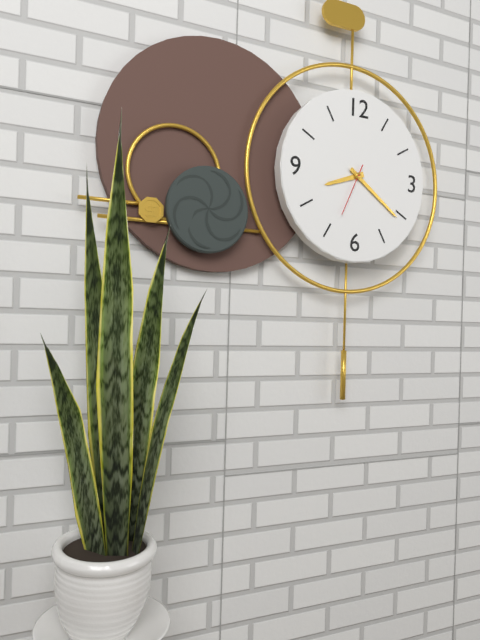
8:21:34
